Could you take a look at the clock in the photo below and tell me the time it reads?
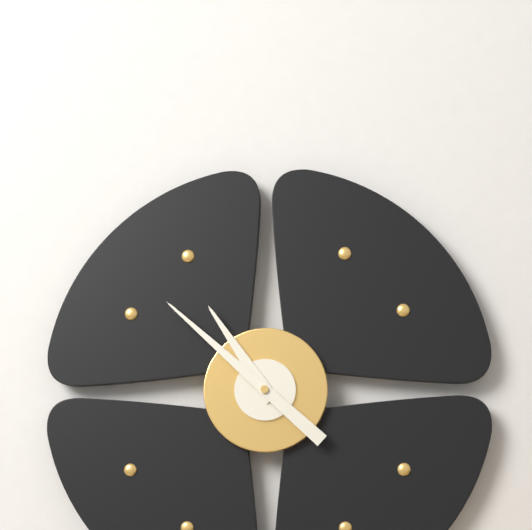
10:52
